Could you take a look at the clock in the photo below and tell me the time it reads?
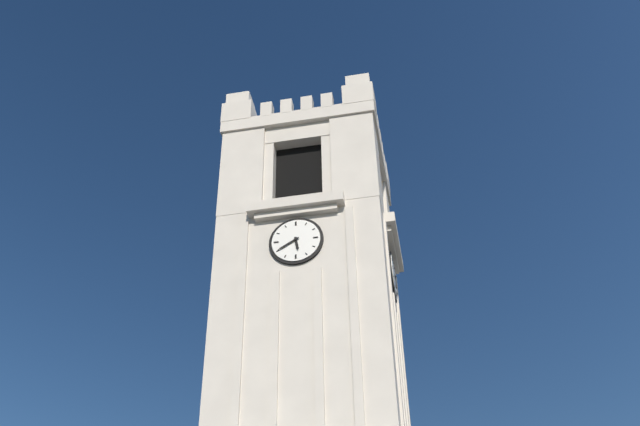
5:40
